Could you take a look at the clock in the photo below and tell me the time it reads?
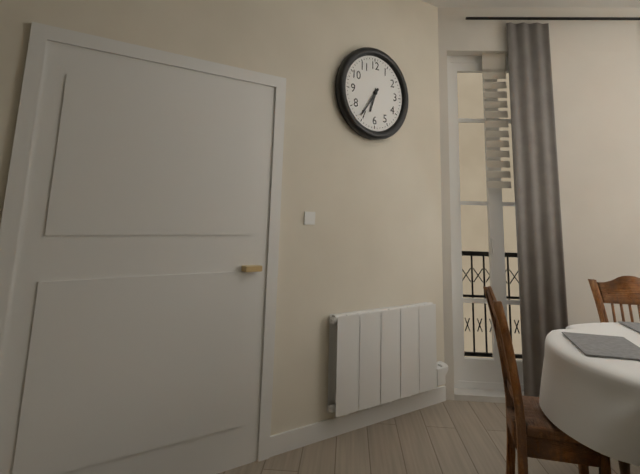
6:36
